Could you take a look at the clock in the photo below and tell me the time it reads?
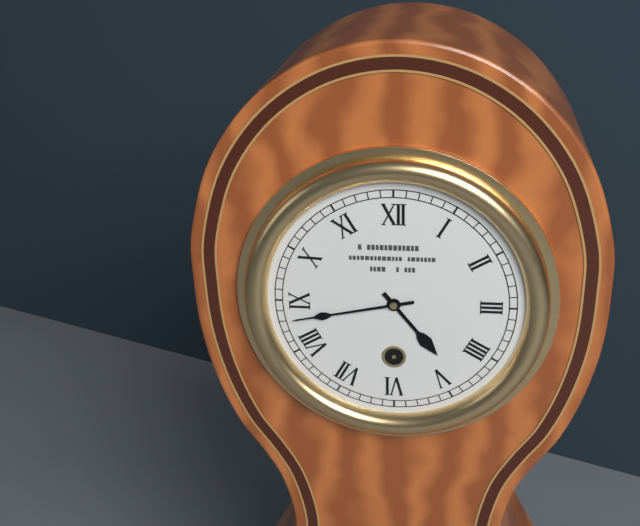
4:43
